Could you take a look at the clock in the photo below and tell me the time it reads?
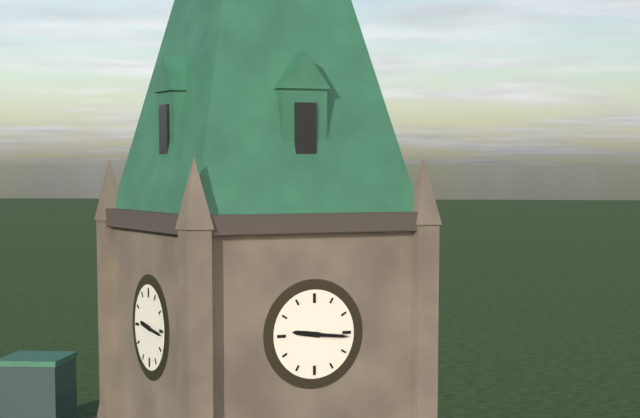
9:16
